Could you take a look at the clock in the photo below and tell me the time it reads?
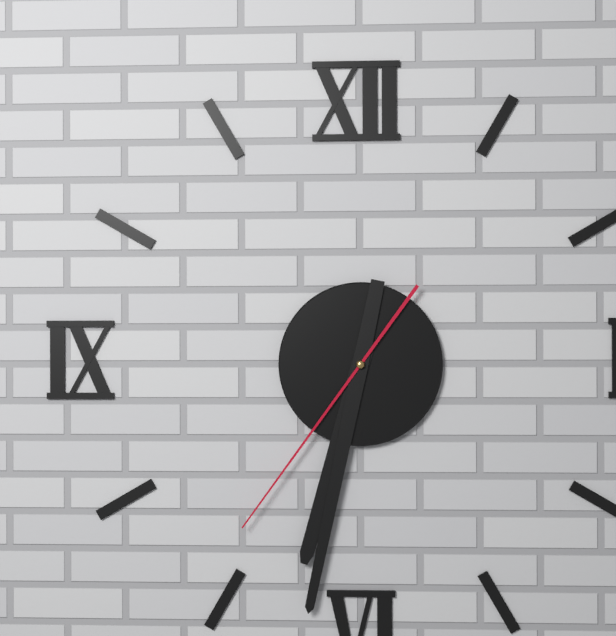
6:32:36
